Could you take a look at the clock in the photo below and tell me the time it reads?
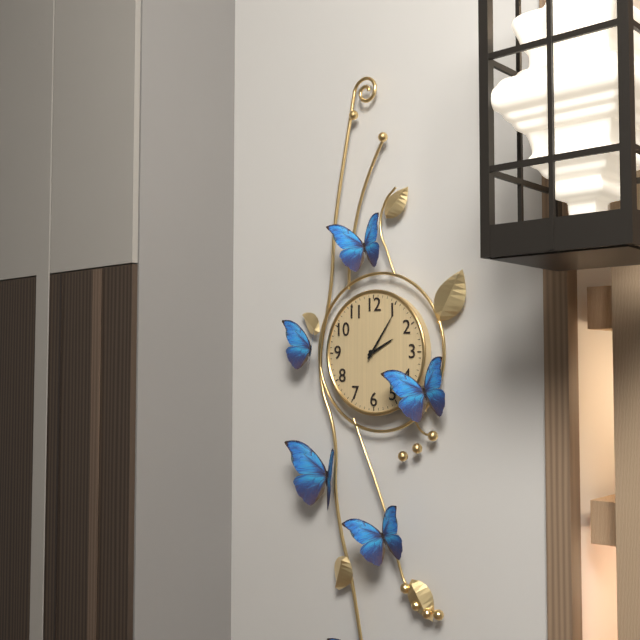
2:06
